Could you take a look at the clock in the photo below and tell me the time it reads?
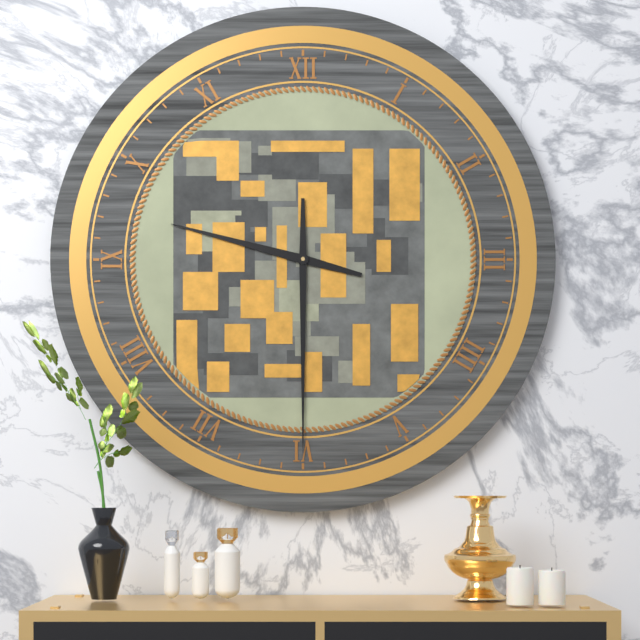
9:30
